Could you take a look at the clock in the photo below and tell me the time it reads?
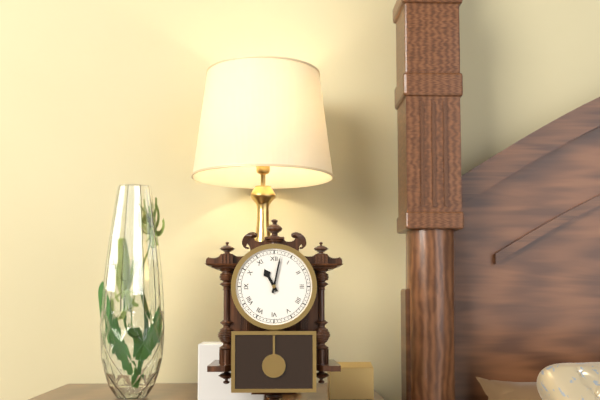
11:02
